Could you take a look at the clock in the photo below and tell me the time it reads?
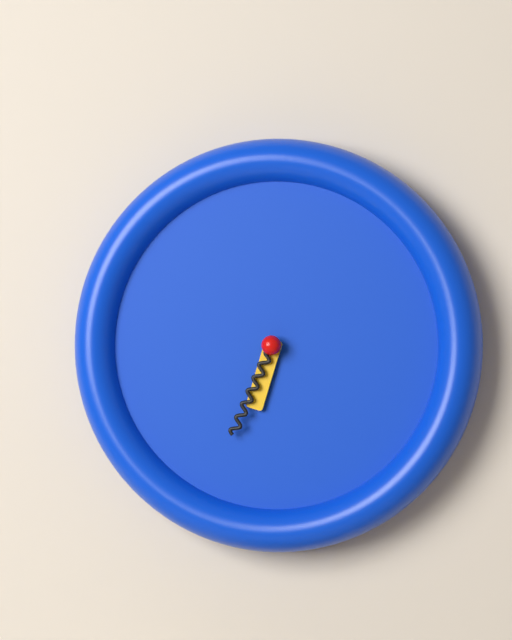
6:34
